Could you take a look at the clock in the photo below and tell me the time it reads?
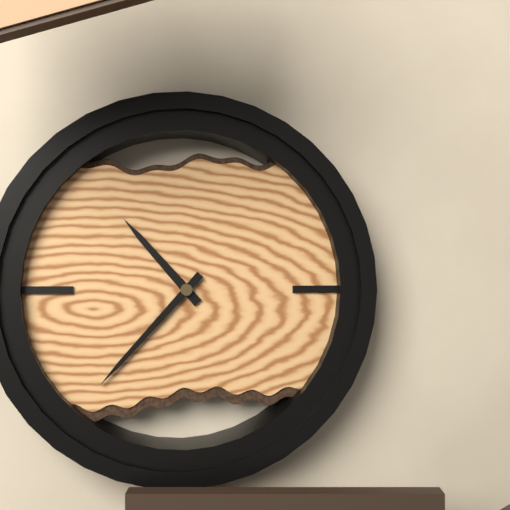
10:37
